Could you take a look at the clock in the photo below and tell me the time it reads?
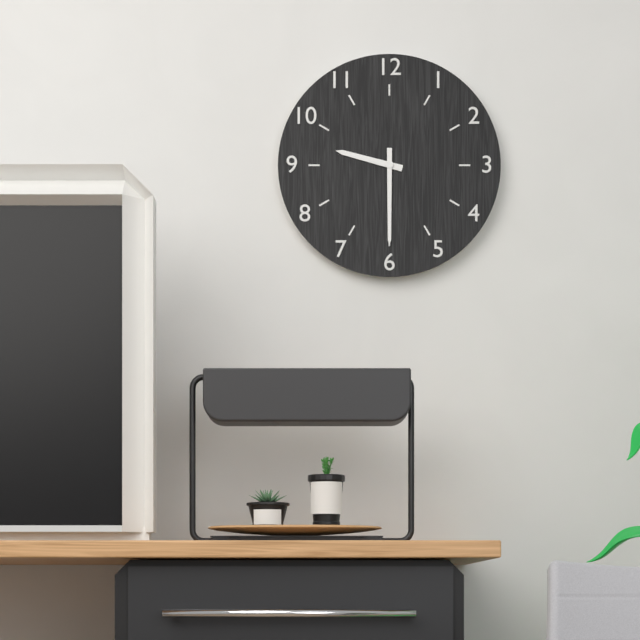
9:30
